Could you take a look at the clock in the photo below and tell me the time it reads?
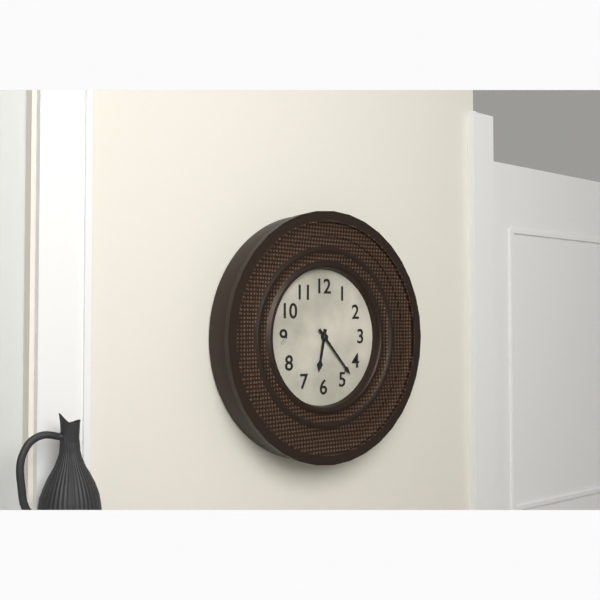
6:23
